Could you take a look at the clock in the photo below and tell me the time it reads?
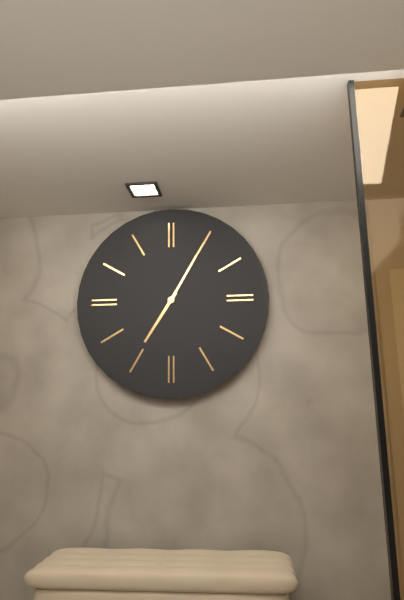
7:05
